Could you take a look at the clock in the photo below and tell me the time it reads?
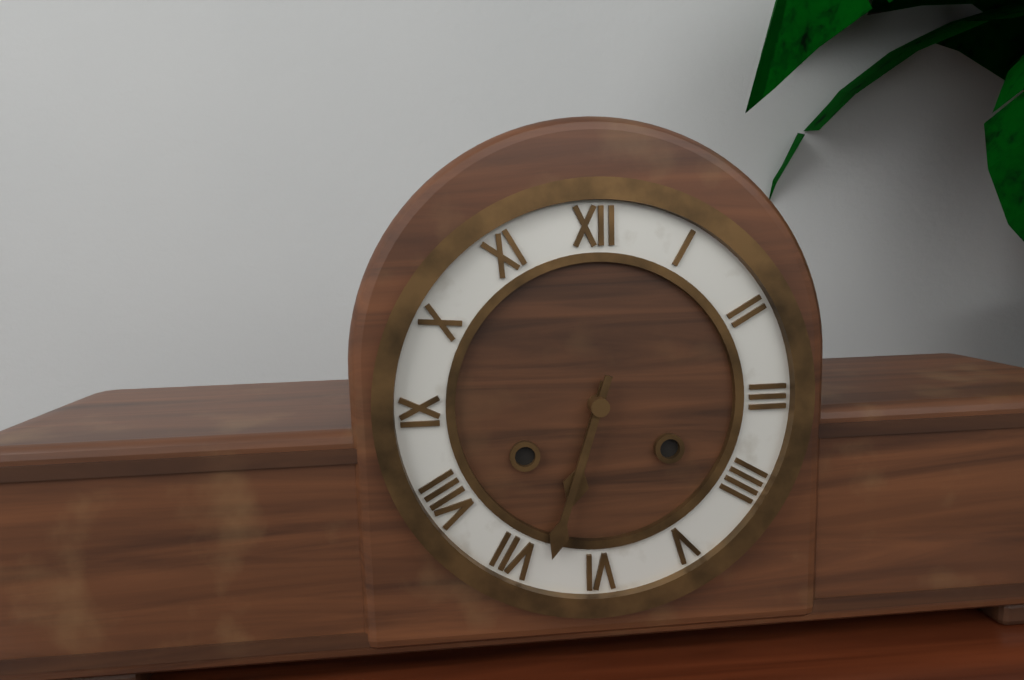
6:33
